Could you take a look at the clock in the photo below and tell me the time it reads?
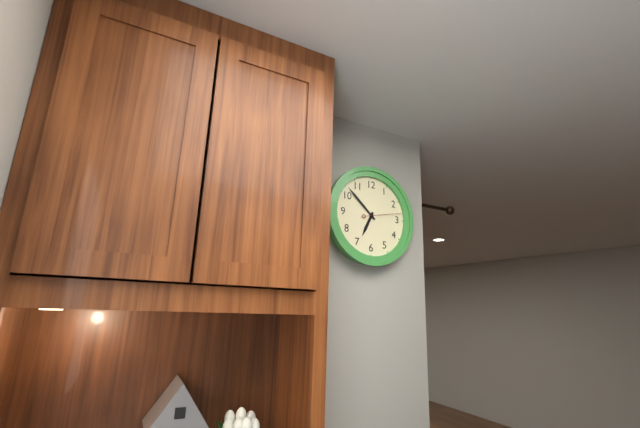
6:52
